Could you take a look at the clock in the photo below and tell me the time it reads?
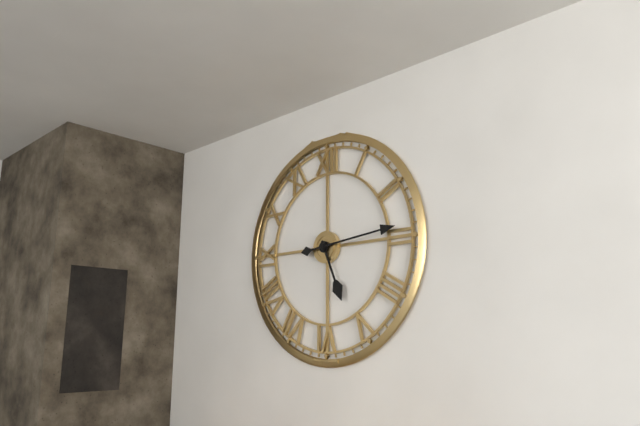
5:14
